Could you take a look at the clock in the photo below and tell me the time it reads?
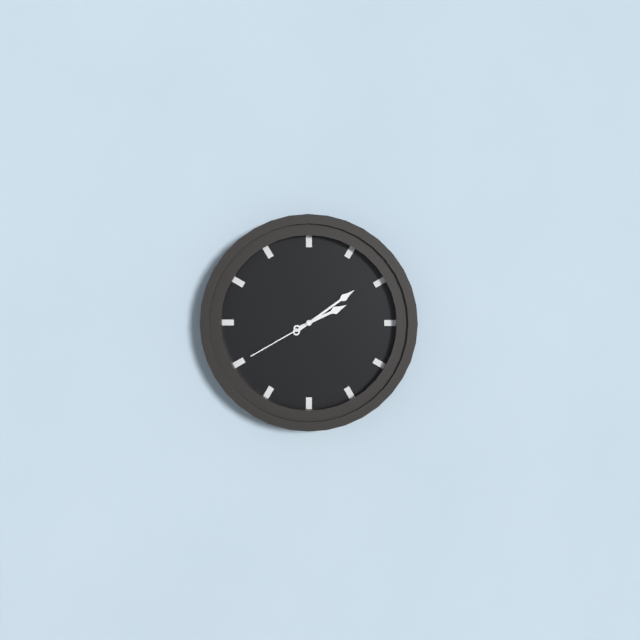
2:09:40
